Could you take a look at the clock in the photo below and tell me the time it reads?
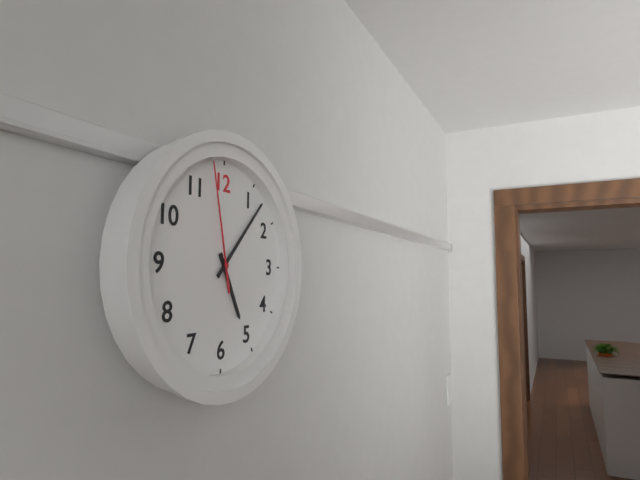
5:07:58
